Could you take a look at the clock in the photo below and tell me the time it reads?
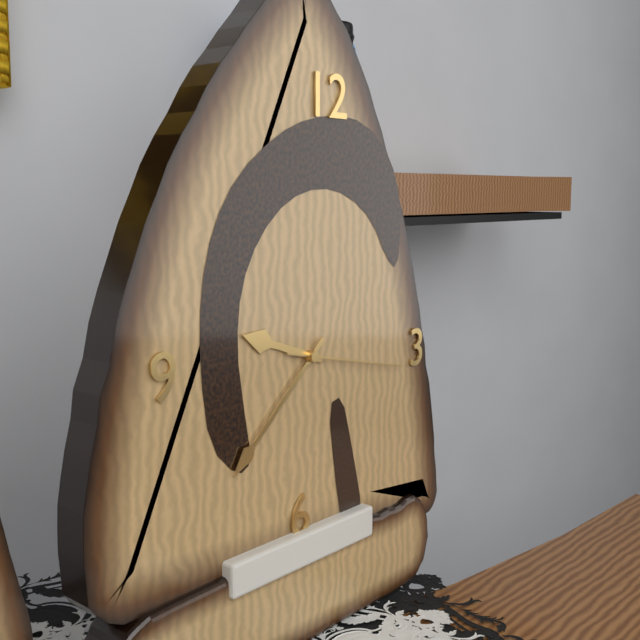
9:38:17
